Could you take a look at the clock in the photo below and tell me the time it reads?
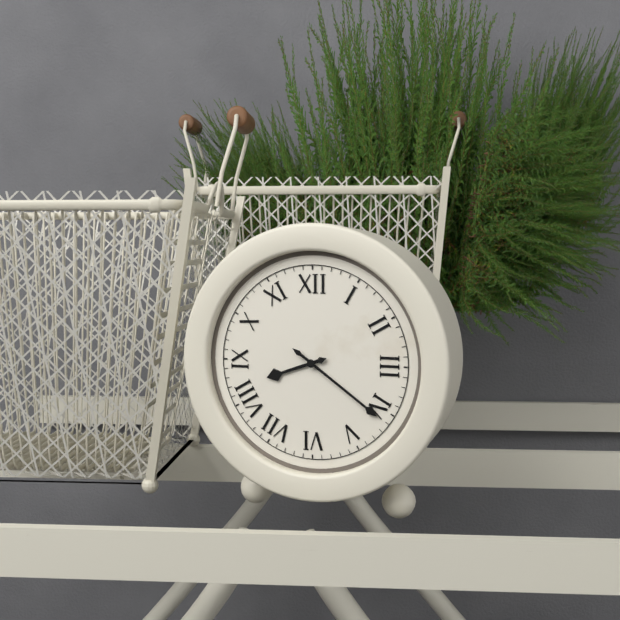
8:21
